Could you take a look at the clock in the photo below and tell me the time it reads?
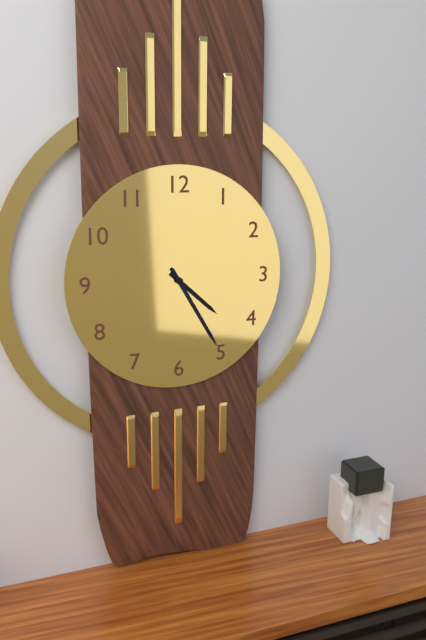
4:25
